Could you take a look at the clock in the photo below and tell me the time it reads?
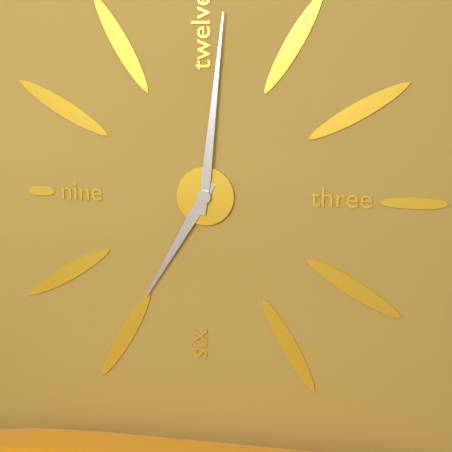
7:01
